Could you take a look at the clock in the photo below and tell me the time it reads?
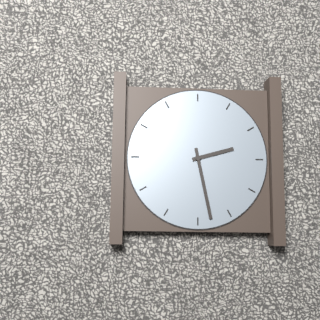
2:28
